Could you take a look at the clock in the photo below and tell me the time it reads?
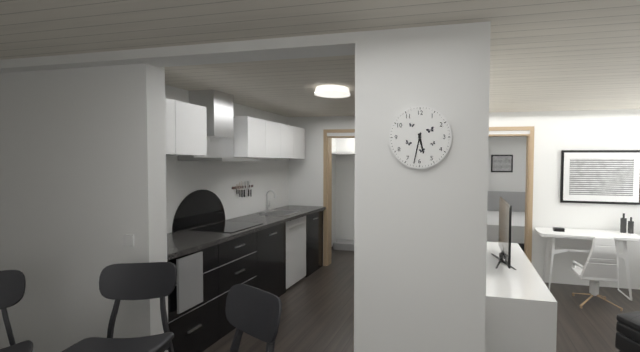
5:32
